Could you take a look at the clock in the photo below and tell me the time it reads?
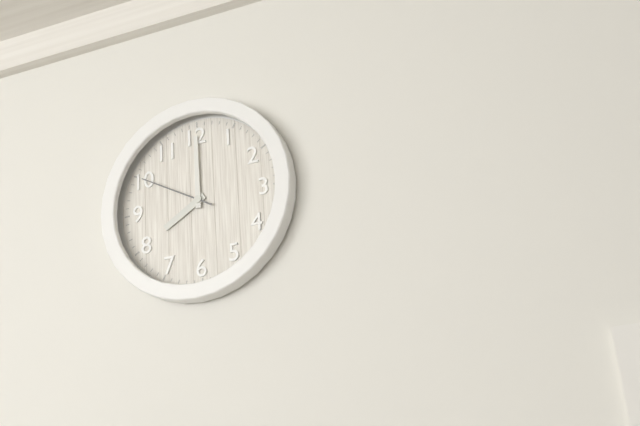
8:00:50
